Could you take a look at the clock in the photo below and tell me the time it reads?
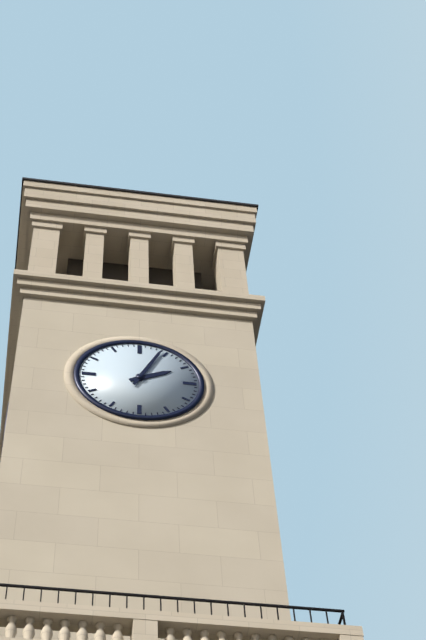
2:04
